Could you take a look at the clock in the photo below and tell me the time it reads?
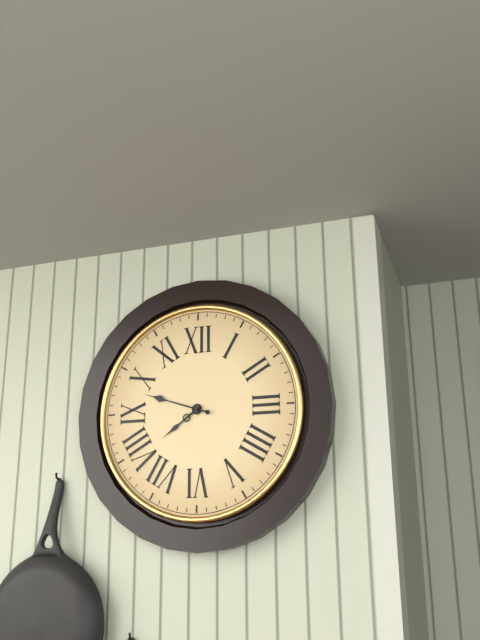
7:48
